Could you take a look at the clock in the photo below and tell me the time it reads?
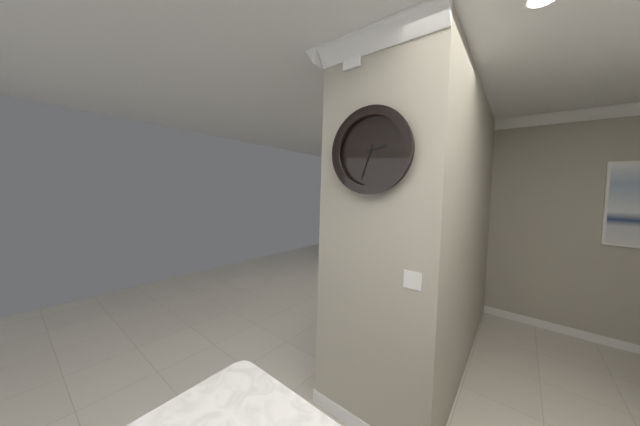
2:33
